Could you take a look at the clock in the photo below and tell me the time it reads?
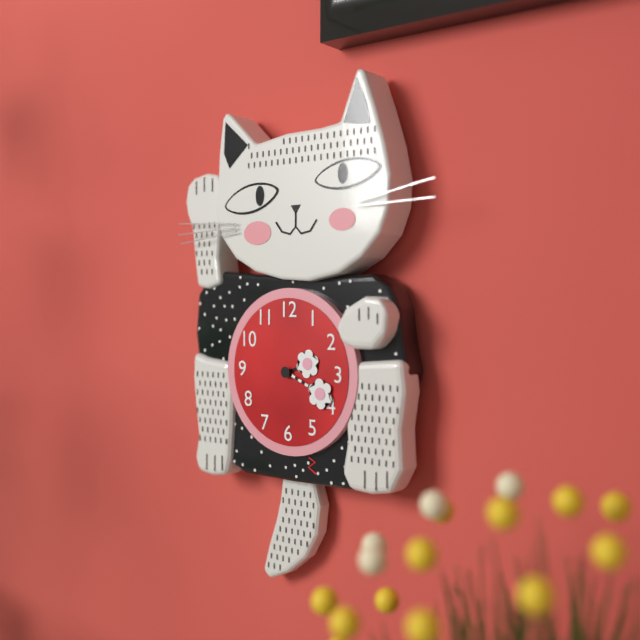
2:19
